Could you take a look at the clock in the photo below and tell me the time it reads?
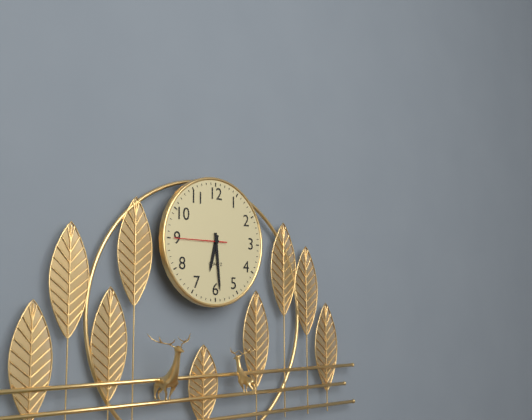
6:29:45
